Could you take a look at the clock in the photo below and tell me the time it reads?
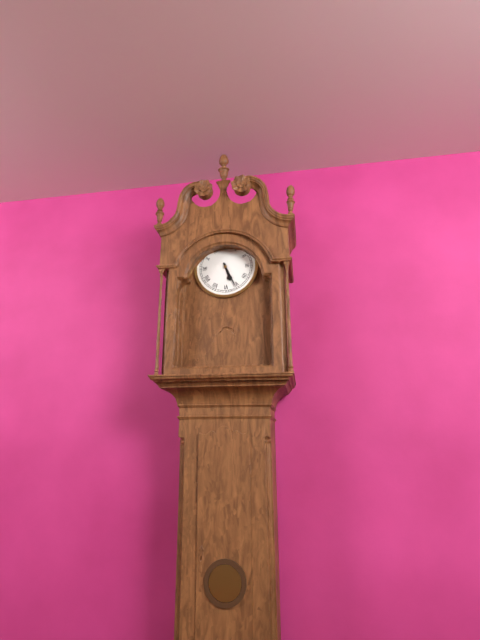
5:26
